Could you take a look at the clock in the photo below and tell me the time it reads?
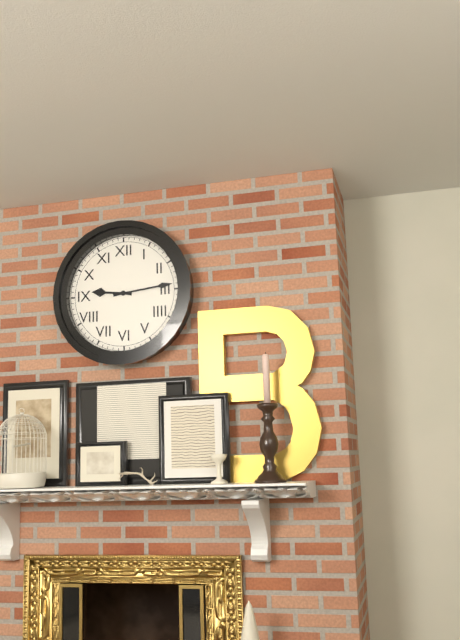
9:14
